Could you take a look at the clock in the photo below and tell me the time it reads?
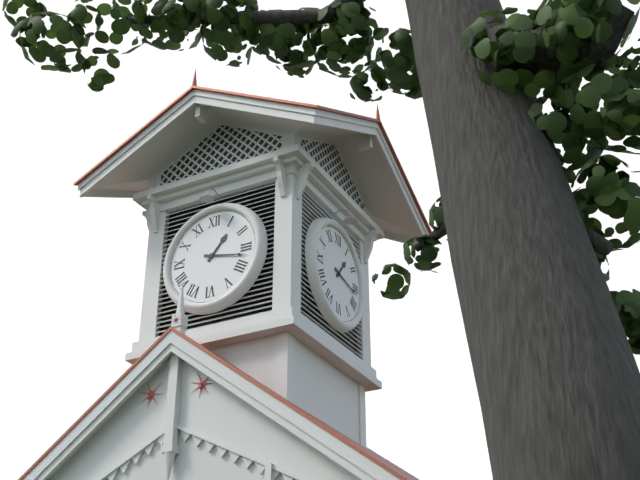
1:17
